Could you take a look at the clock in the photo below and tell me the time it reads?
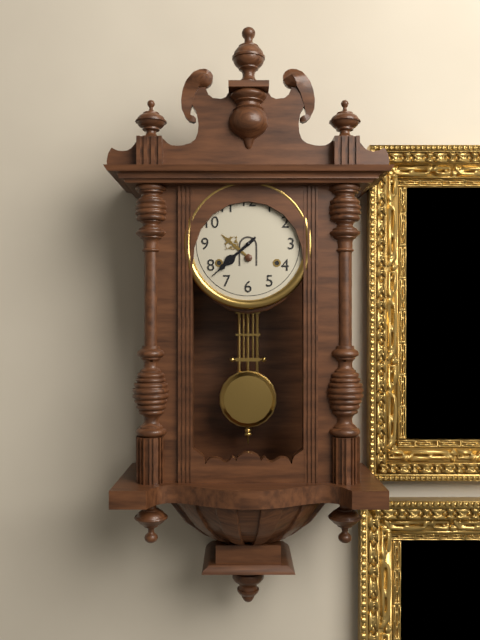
7:38
